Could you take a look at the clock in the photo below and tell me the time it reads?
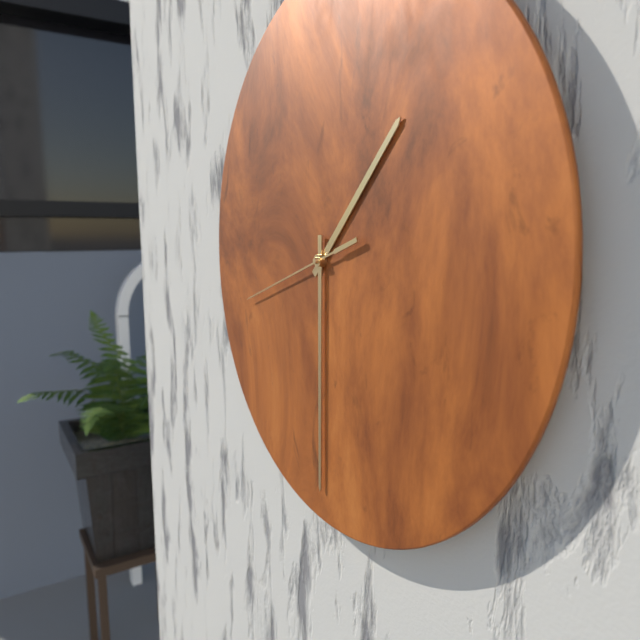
1:30:42
